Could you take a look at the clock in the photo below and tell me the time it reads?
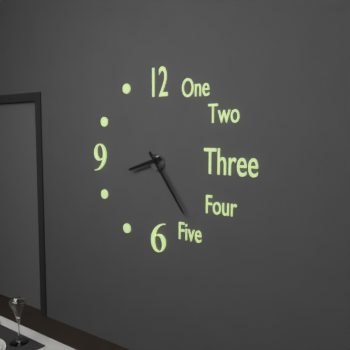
8:24
